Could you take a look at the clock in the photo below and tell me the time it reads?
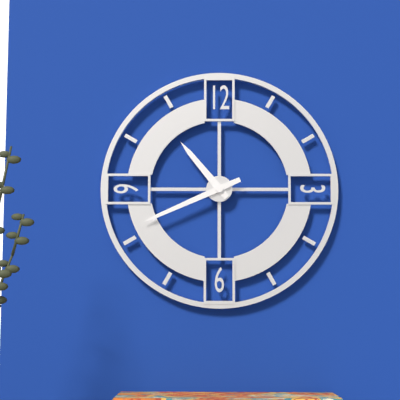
10:41
